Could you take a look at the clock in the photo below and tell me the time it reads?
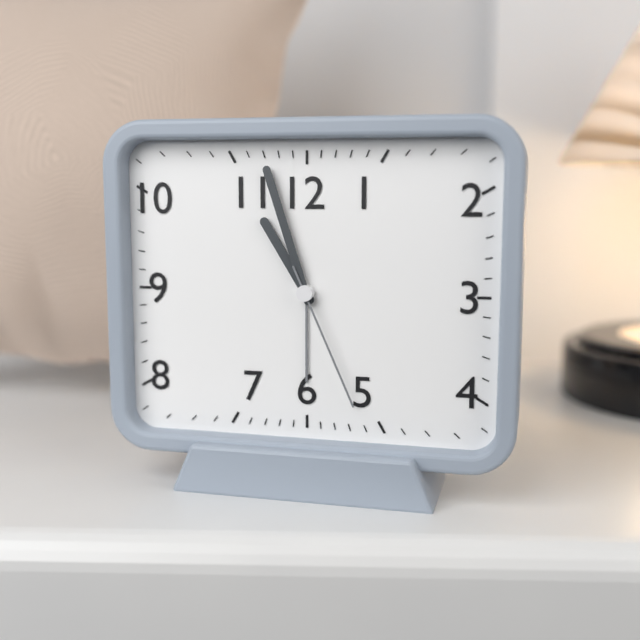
10:57:26
